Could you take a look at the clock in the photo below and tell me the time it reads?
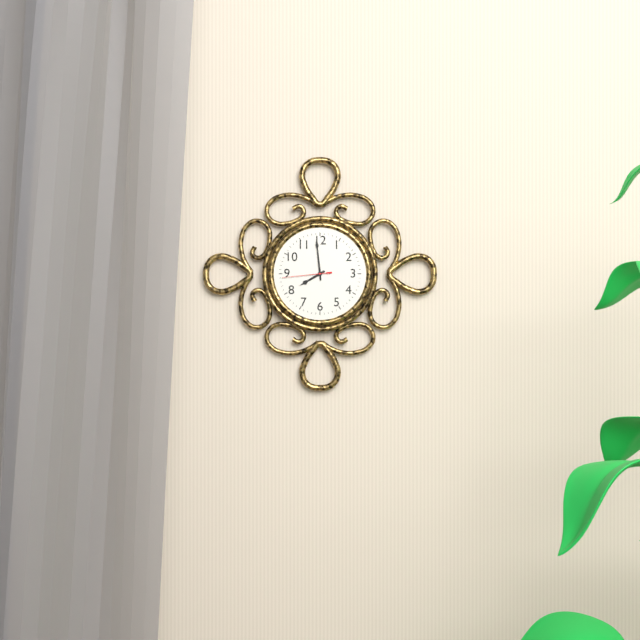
7:59
